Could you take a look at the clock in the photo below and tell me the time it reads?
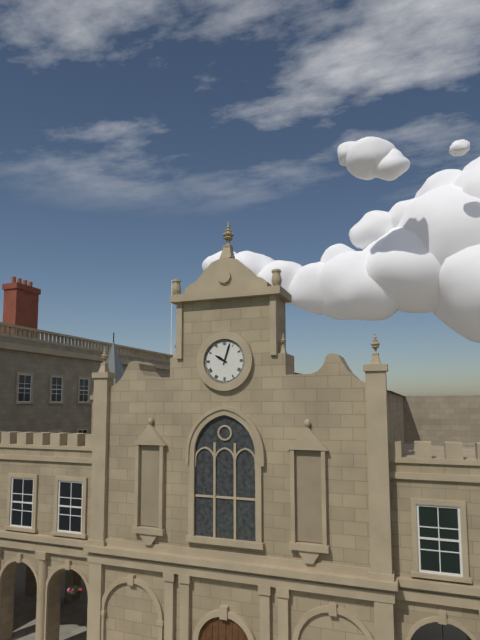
10:03
